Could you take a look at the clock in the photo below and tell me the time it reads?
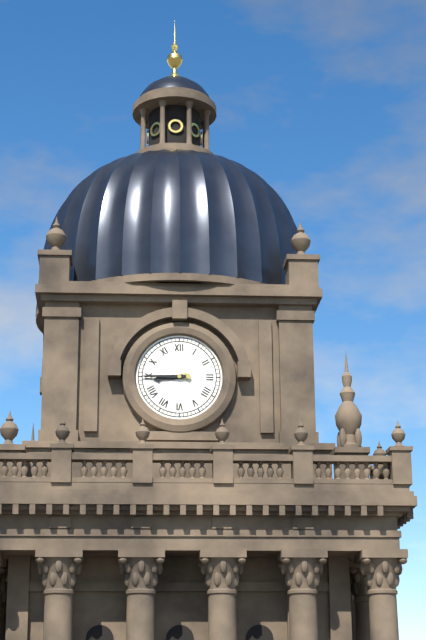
8:45
